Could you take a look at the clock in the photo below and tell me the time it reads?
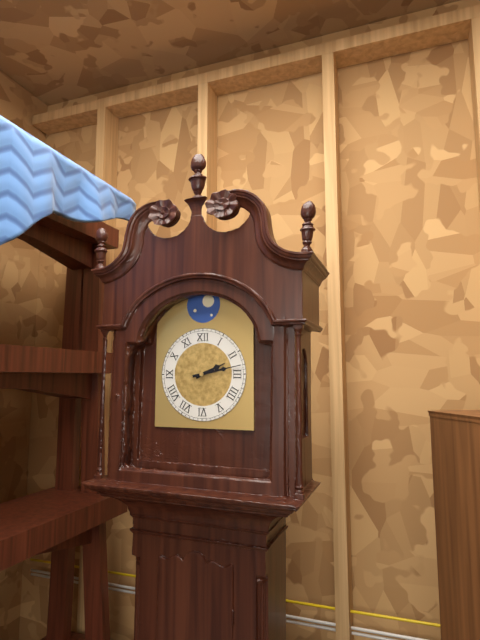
2:13
